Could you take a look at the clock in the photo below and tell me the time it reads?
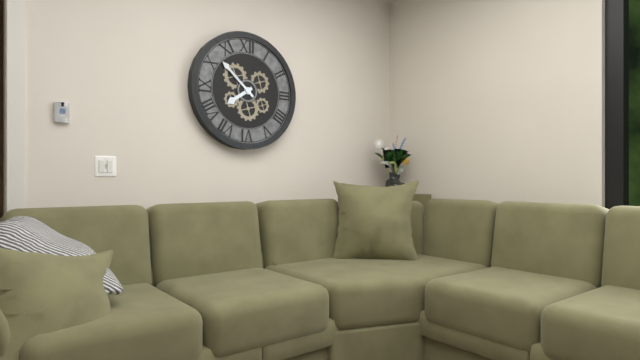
7:52
